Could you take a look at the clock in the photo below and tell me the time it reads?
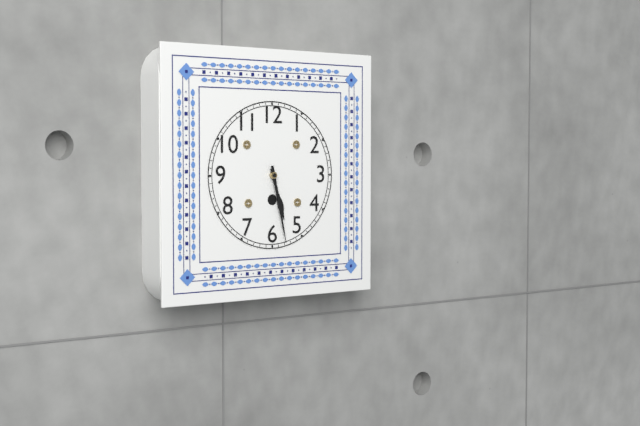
5:28
